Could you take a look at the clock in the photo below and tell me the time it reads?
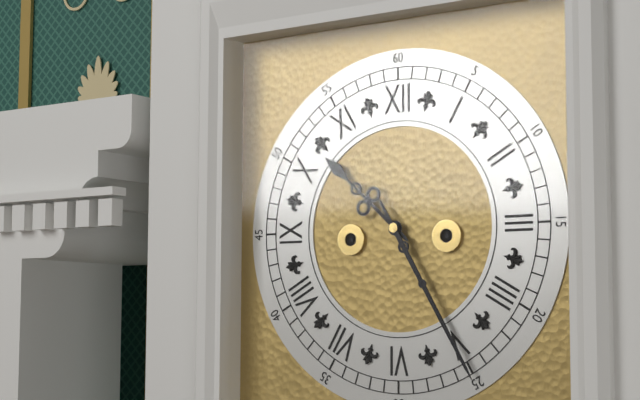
10:25
